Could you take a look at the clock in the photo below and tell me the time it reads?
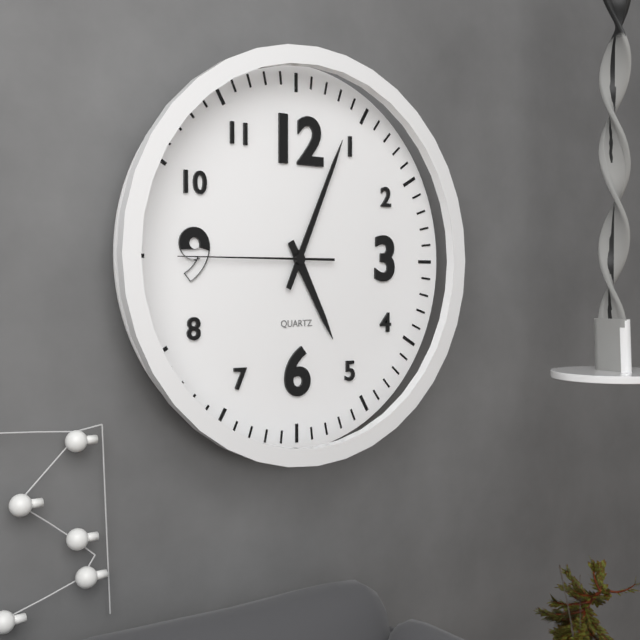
5:04:45
